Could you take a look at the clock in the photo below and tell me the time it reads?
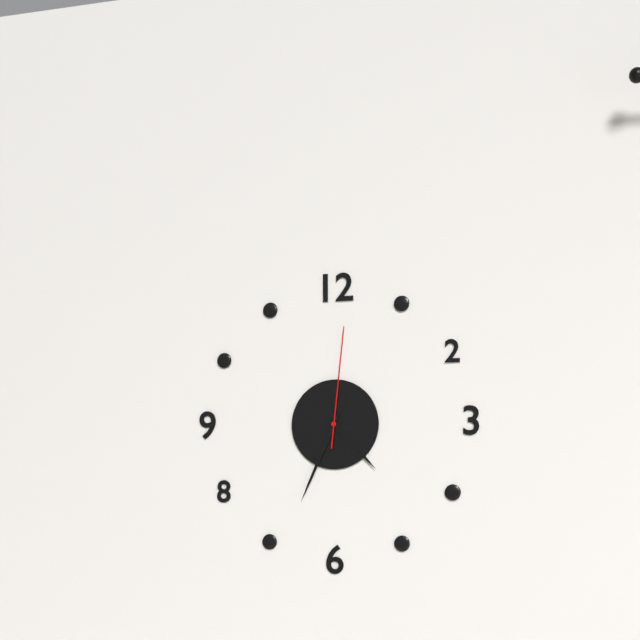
4:34:01
